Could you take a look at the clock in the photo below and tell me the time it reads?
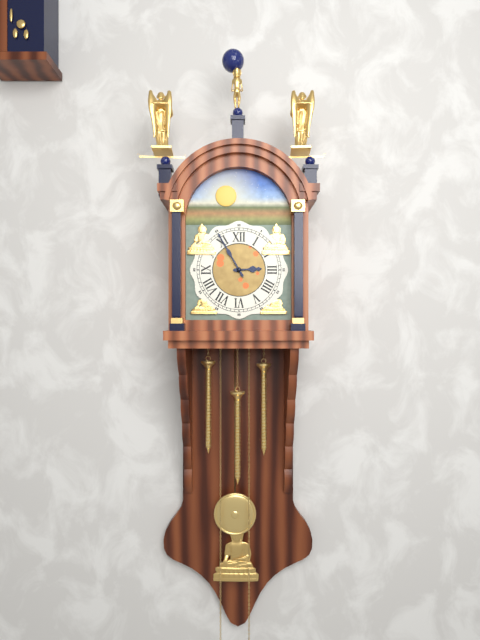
2:55
